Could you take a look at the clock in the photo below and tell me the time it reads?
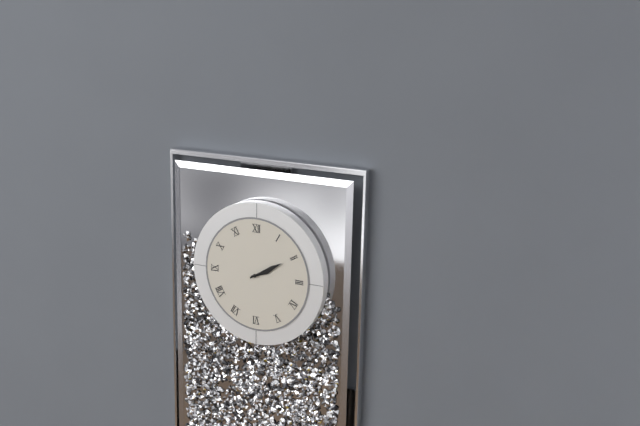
2:10
